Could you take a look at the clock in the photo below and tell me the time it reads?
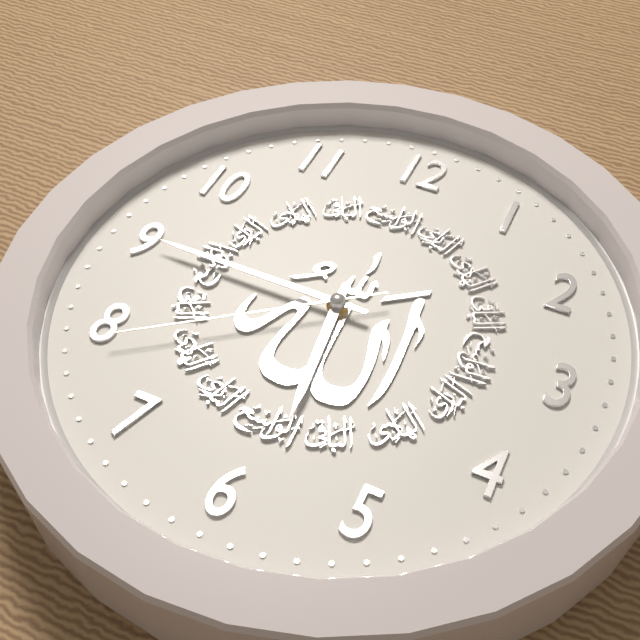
5:45:39
